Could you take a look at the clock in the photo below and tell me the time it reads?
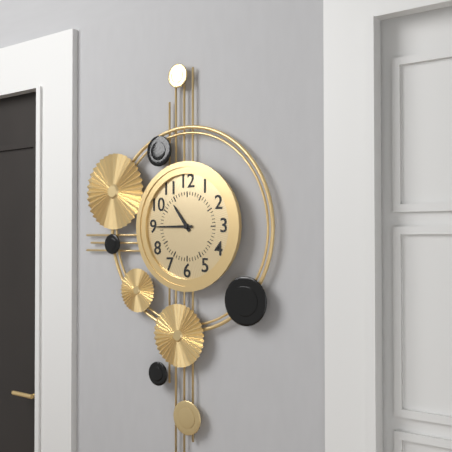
10:45
